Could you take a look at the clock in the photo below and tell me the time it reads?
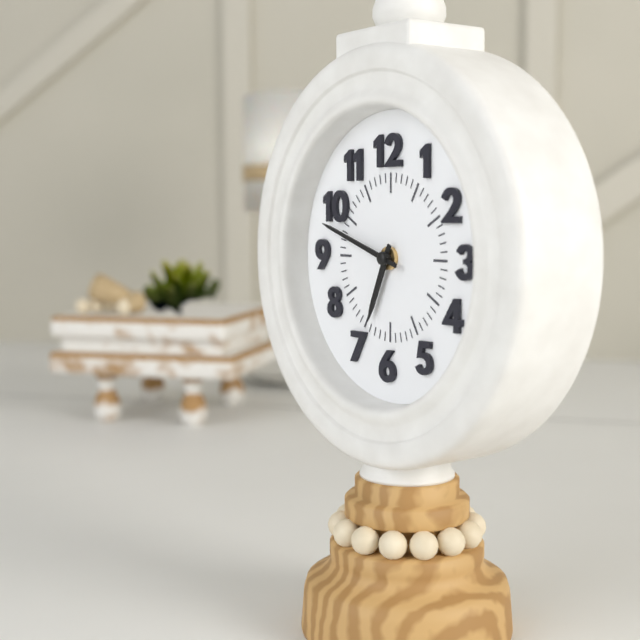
6:48
